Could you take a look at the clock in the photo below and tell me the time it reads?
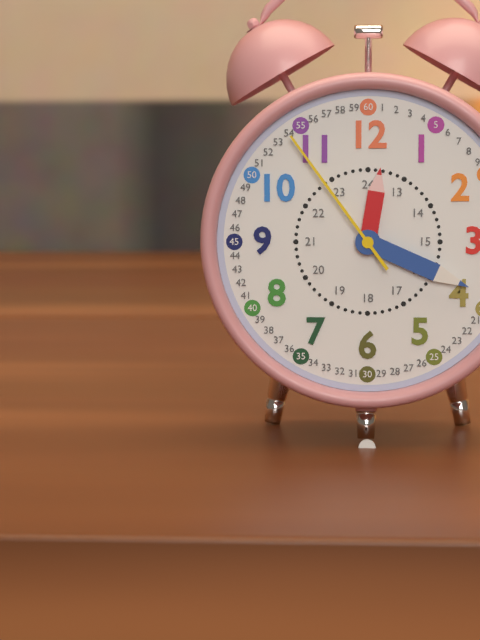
12:19:54
